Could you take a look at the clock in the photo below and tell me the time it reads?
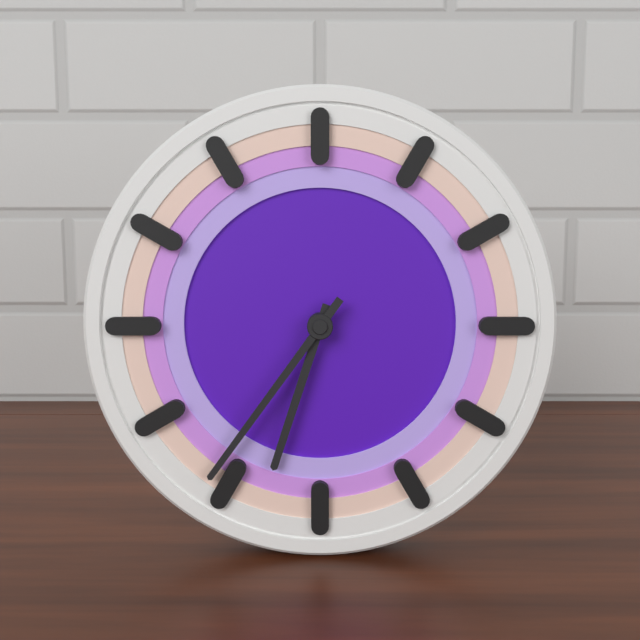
6:36
